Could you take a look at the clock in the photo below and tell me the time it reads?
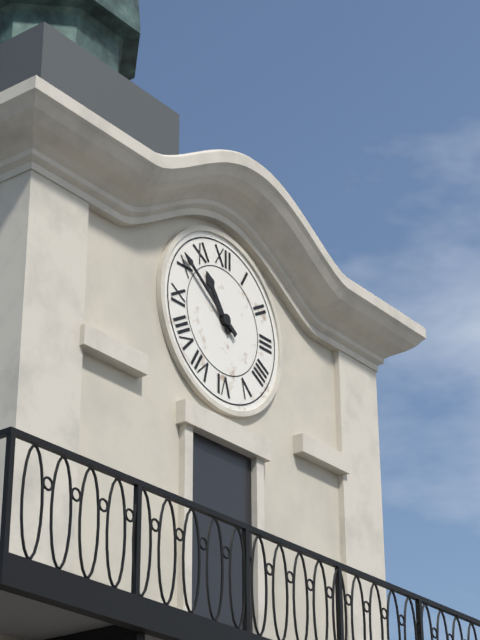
10:51
